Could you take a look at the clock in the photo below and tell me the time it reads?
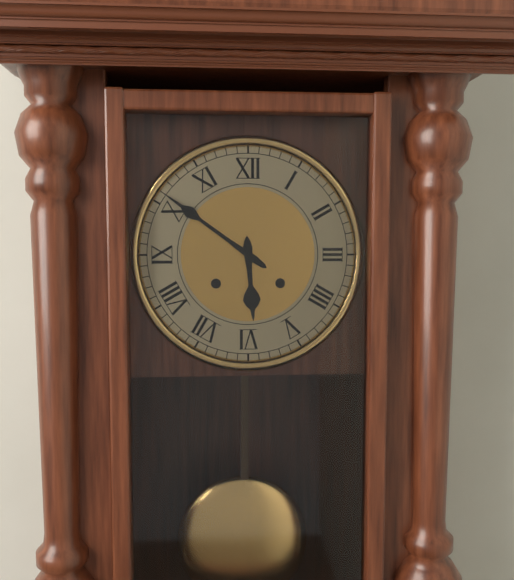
5:51
